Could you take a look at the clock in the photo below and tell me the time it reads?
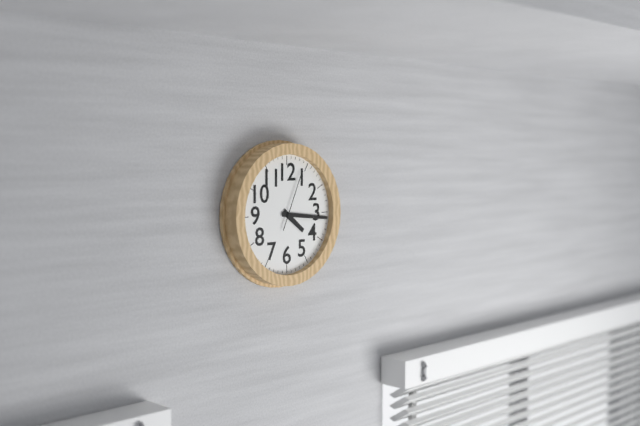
4:16:04
